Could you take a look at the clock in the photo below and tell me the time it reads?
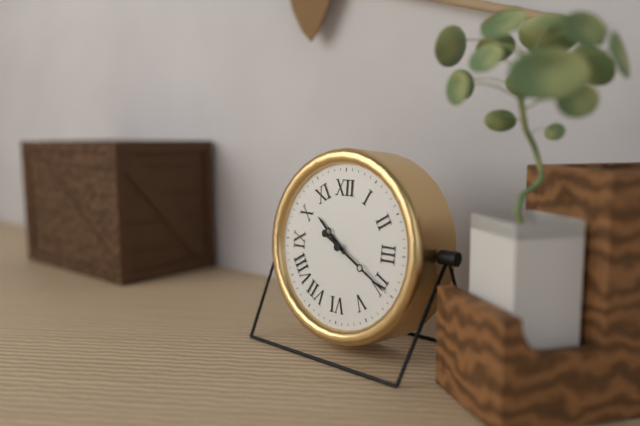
10:20
